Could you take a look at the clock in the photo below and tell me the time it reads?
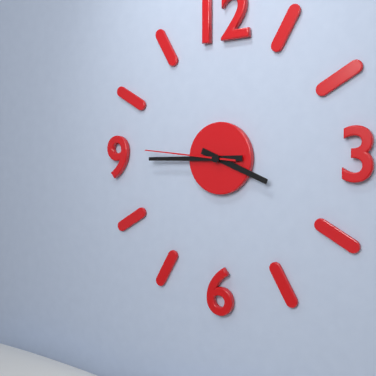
3:45:46
